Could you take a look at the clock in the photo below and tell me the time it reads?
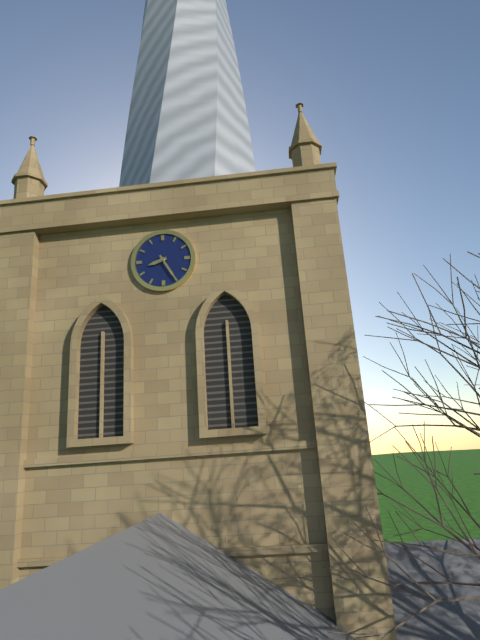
8:25
